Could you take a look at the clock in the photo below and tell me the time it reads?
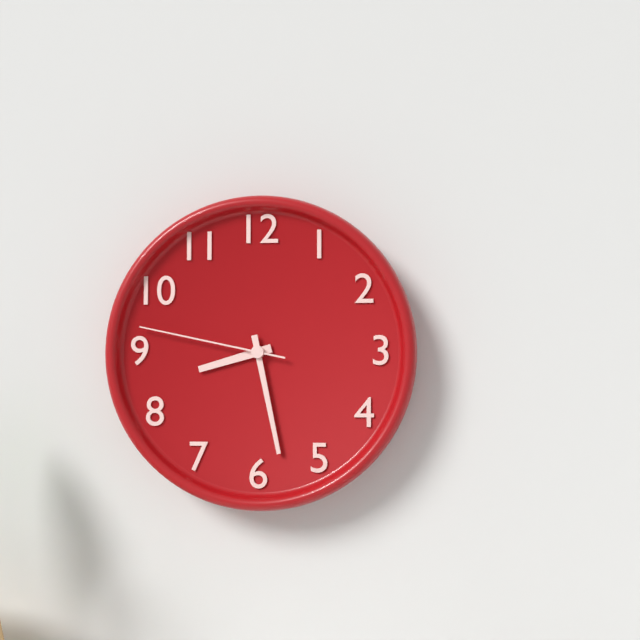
8:28:47
